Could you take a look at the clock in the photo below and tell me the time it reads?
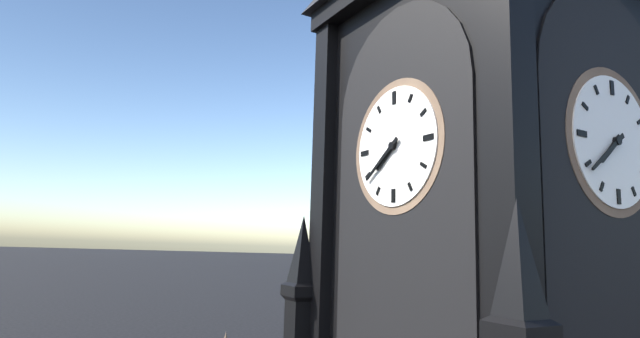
7:39
